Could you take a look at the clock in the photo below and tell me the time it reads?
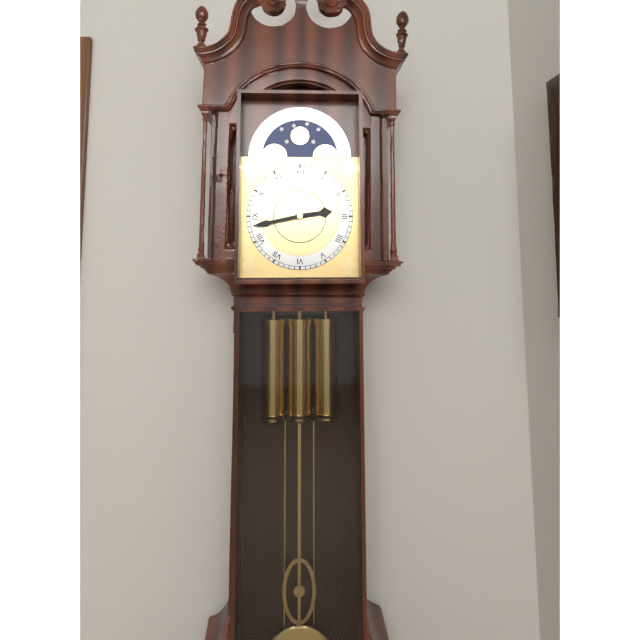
2:43
